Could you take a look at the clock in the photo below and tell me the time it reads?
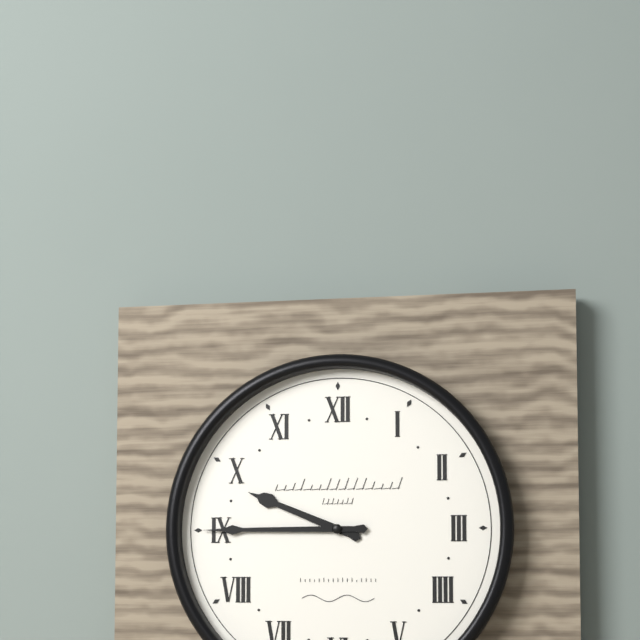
9:45
